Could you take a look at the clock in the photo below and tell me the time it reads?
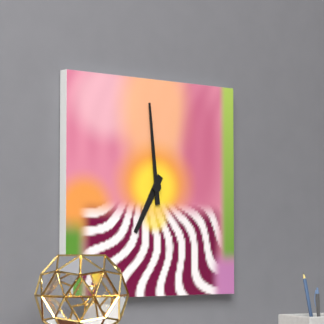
6:59
